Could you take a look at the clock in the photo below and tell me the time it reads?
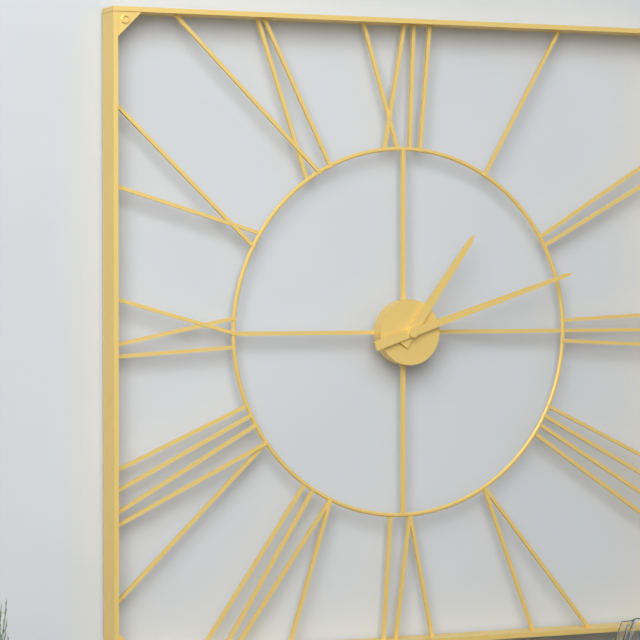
1:12
